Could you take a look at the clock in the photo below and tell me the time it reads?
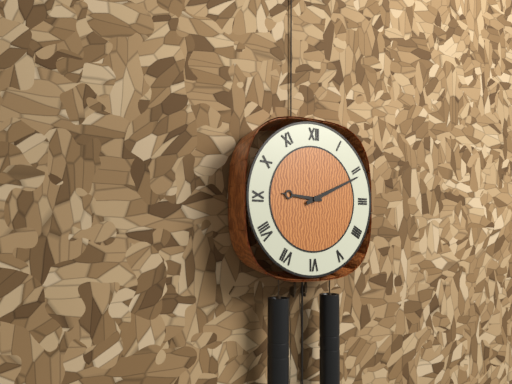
9:11
